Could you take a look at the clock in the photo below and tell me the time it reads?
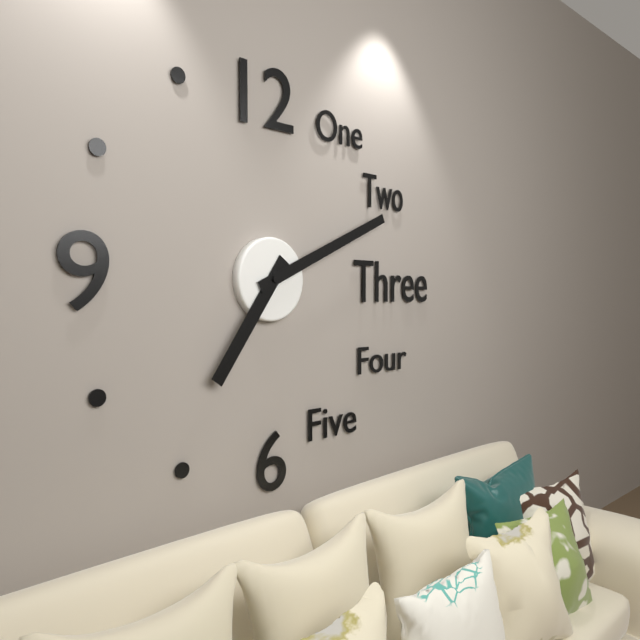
7:11
